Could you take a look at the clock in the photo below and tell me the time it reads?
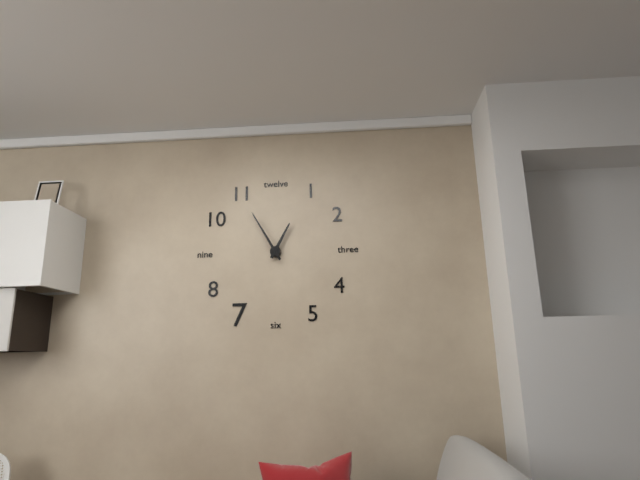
12:55
